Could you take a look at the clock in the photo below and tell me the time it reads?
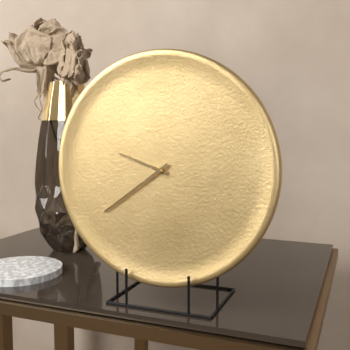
9:39
